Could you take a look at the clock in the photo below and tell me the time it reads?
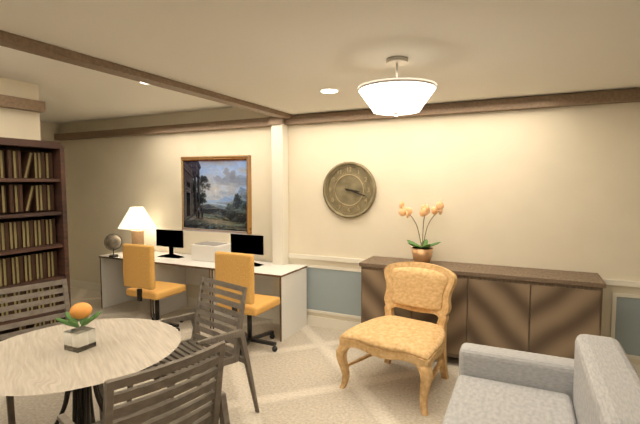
3:18
